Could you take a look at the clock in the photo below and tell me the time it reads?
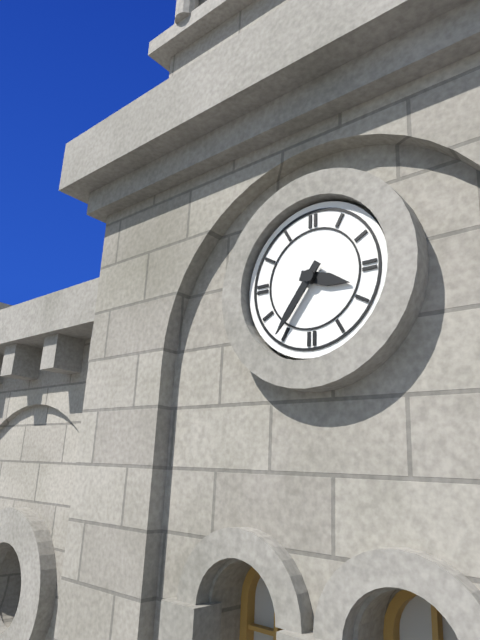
3:36
